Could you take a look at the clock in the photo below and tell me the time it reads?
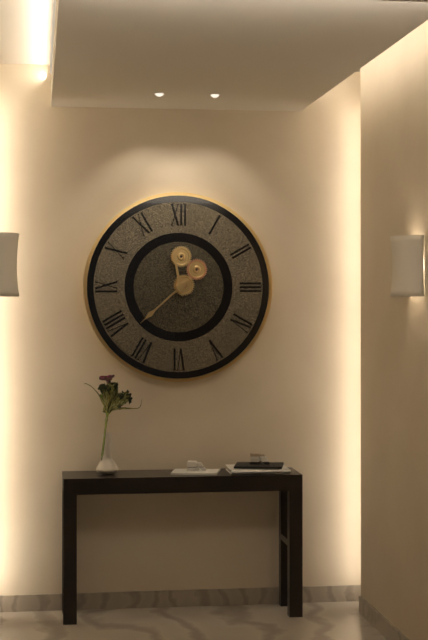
11:38
